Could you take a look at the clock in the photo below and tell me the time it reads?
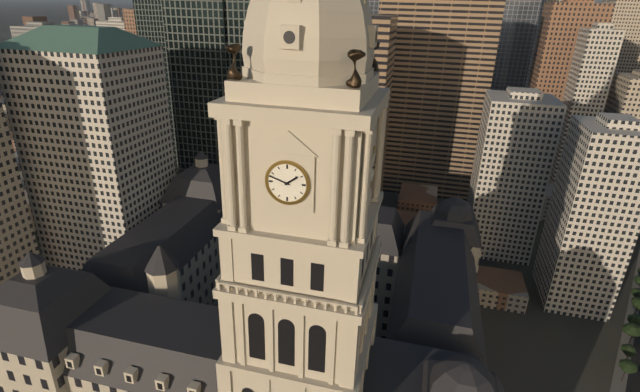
1:48
